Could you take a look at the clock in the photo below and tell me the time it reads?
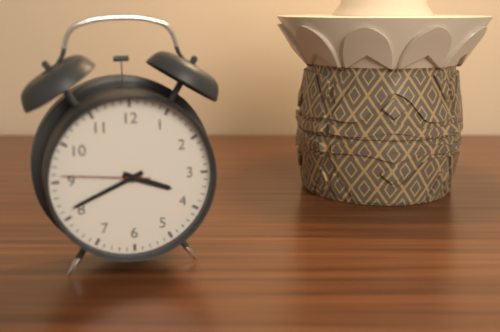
3:41:46
